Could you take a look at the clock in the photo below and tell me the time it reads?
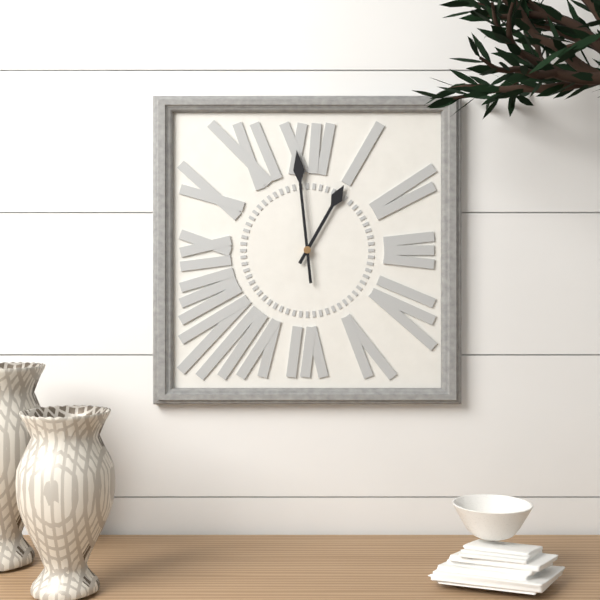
12:59
